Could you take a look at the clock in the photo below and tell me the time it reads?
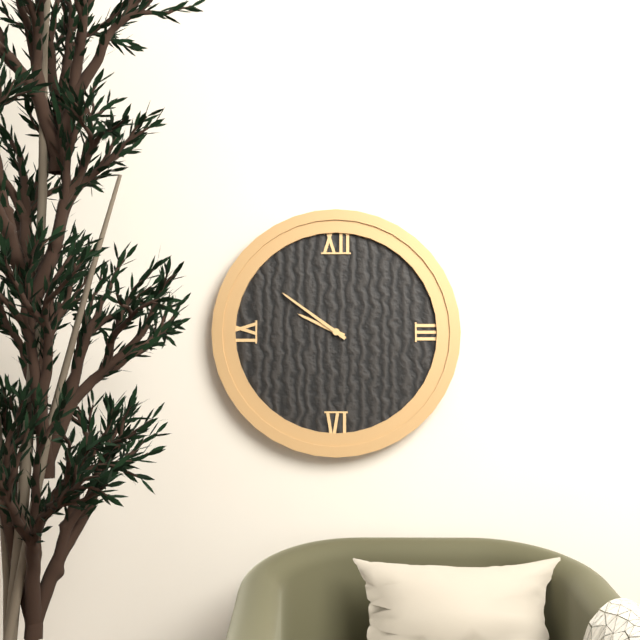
9:51
